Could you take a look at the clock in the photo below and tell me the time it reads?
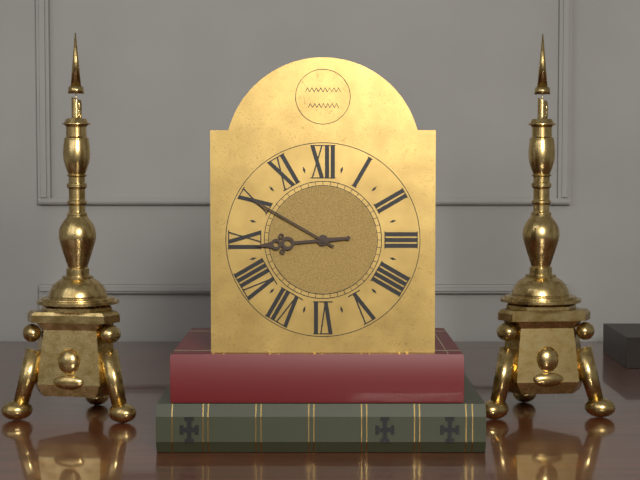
8:50
